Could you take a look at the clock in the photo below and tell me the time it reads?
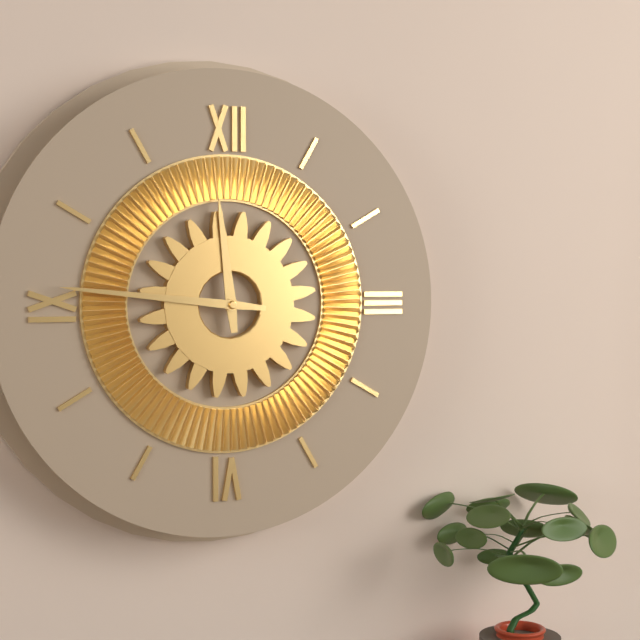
11:46
